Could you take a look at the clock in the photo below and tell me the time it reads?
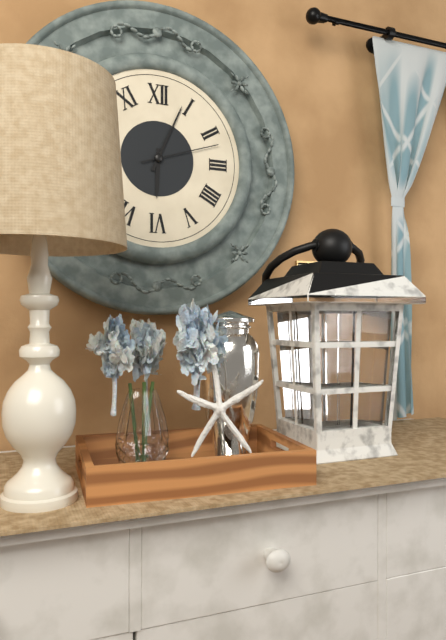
6:04:12
